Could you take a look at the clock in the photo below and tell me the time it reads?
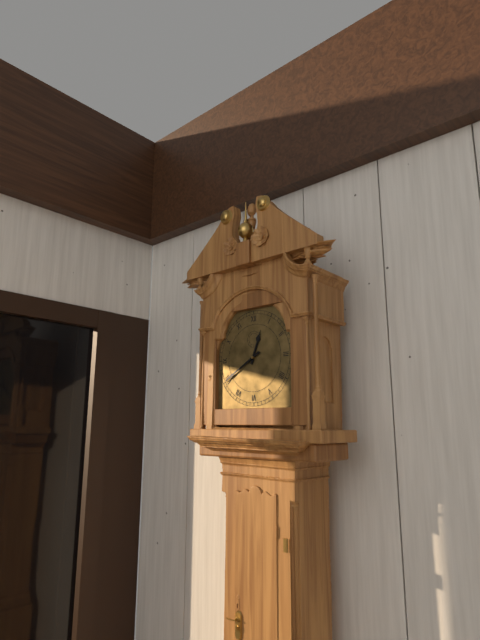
12:40
